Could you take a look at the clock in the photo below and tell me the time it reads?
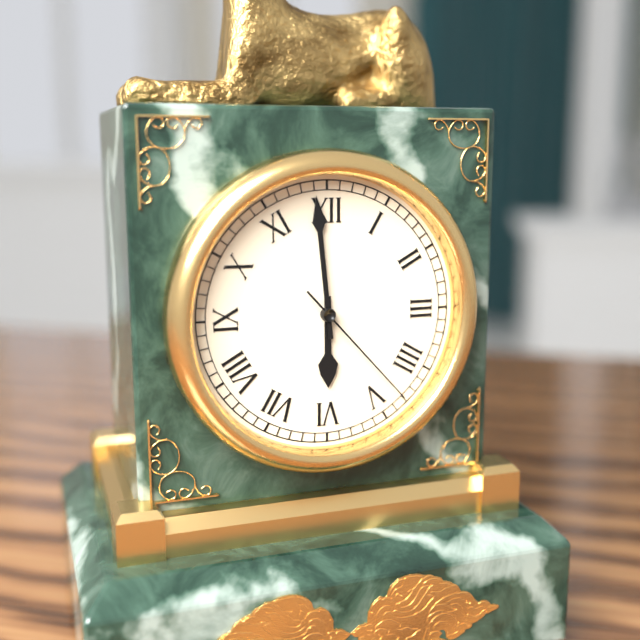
5:59:23
